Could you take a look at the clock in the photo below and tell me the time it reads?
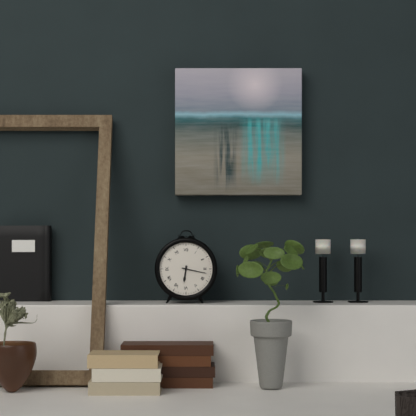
6:17
